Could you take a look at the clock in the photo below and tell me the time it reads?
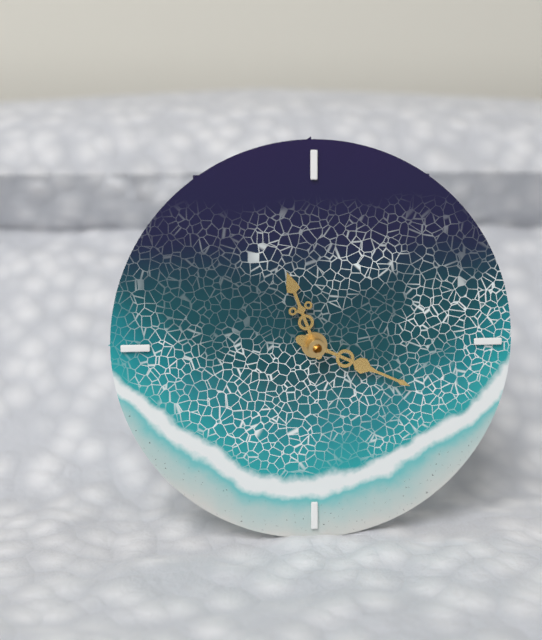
11:19
